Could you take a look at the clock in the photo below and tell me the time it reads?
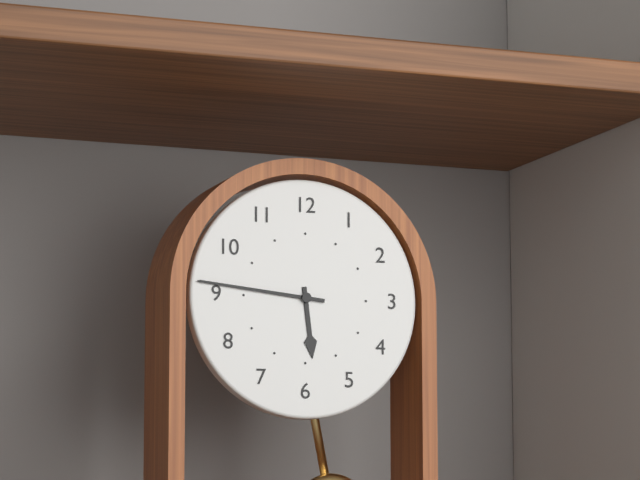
5:46
